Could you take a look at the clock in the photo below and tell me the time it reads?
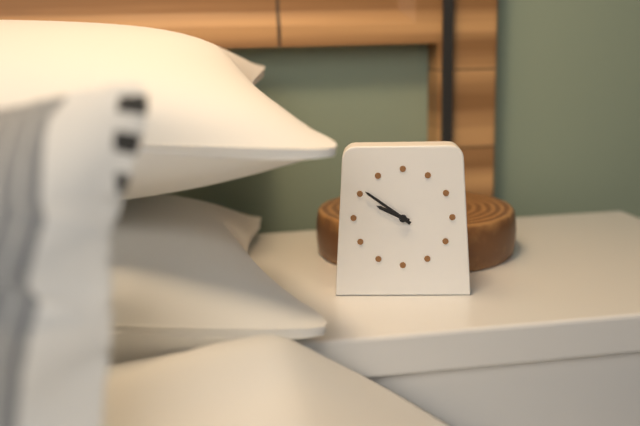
9:51
